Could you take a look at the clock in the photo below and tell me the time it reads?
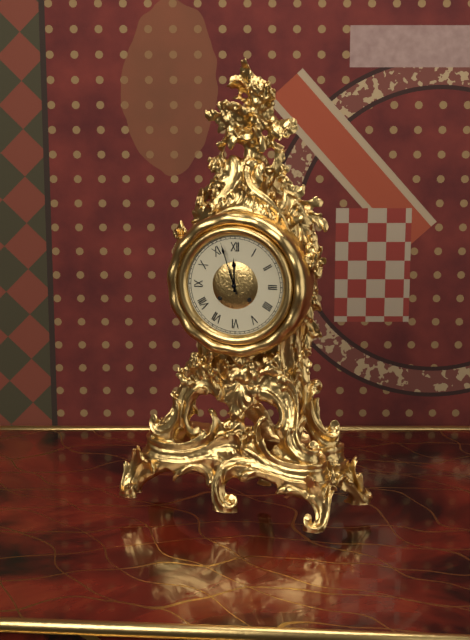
11:57
